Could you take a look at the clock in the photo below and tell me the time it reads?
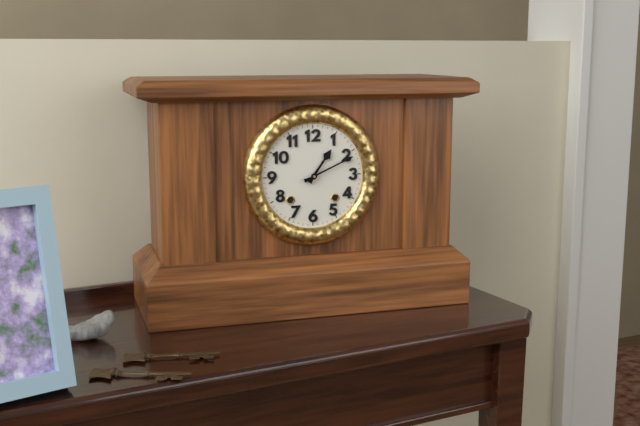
1:11
